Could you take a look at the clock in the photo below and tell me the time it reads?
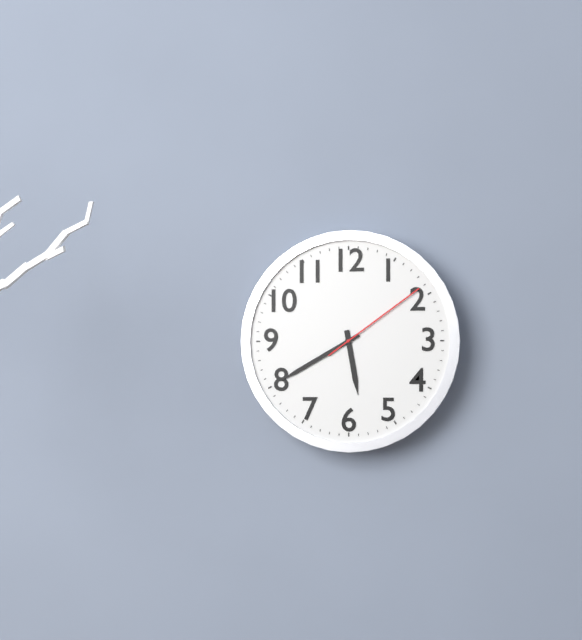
5:40:09
